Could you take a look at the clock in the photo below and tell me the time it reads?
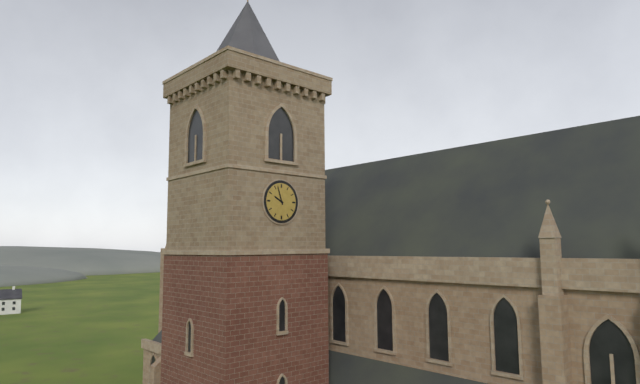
9:57
